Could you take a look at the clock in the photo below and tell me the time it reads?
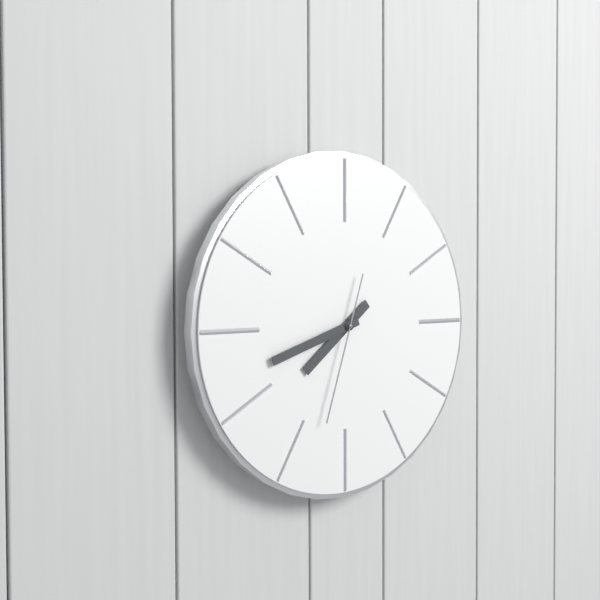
7:42:33
